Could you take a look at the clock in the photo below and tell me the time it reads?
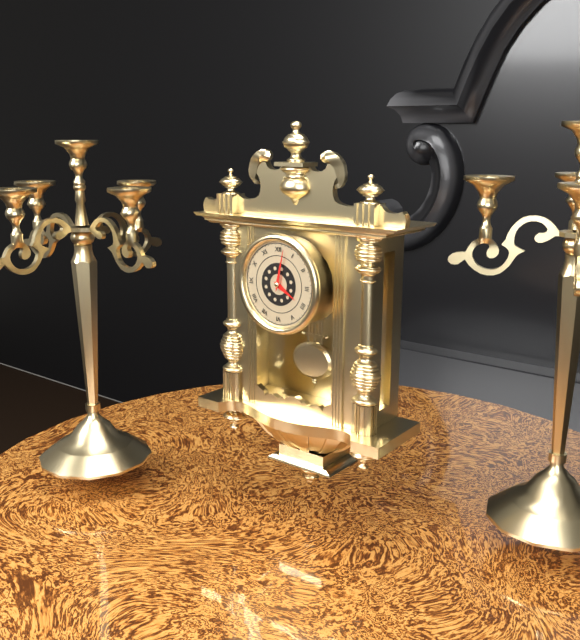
4:02
